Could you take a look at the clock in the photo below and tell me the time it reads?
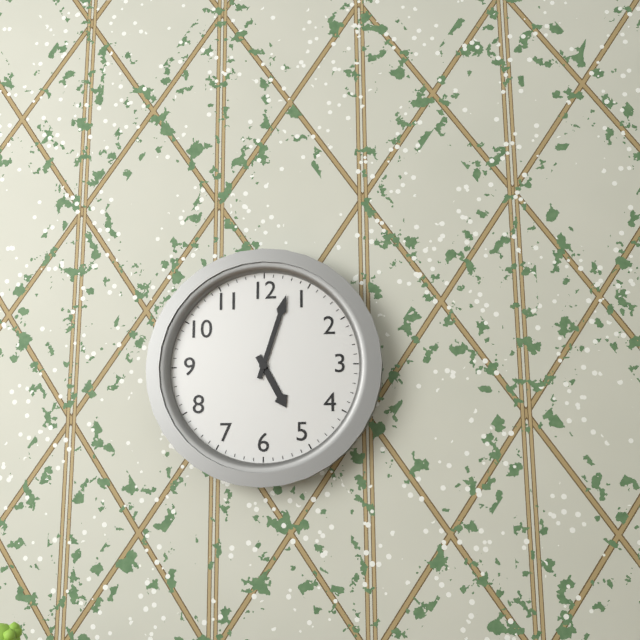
5:03
